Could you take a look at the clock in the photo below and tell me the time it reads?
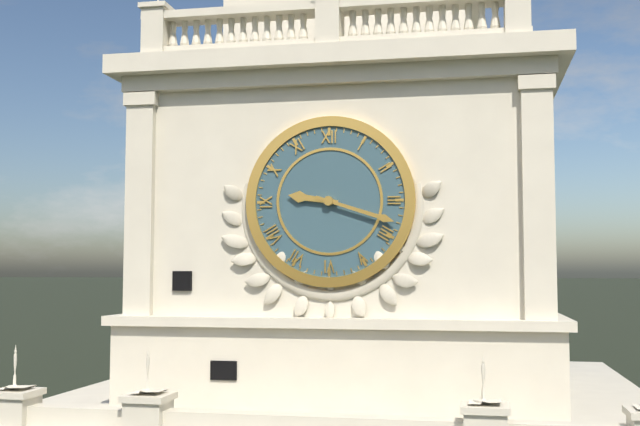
9:18
